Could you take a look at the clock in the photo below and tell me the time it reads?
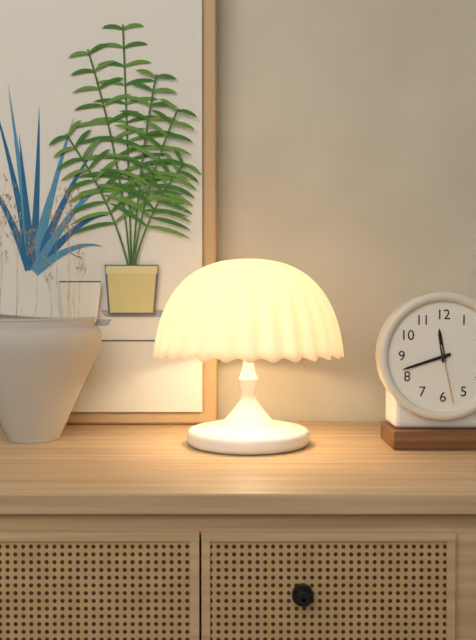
11:42:28
